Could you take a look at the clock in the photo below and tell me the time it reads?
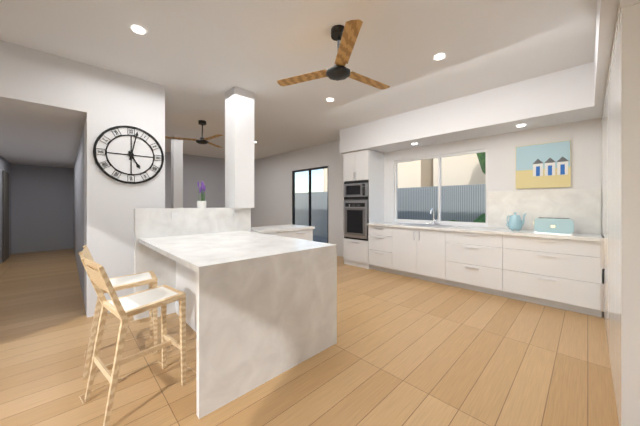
5:02
